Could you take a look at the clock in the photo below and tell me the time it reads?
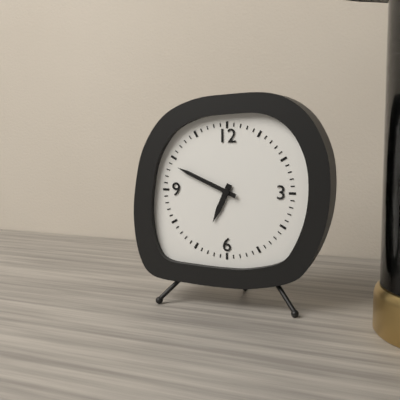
6:49
